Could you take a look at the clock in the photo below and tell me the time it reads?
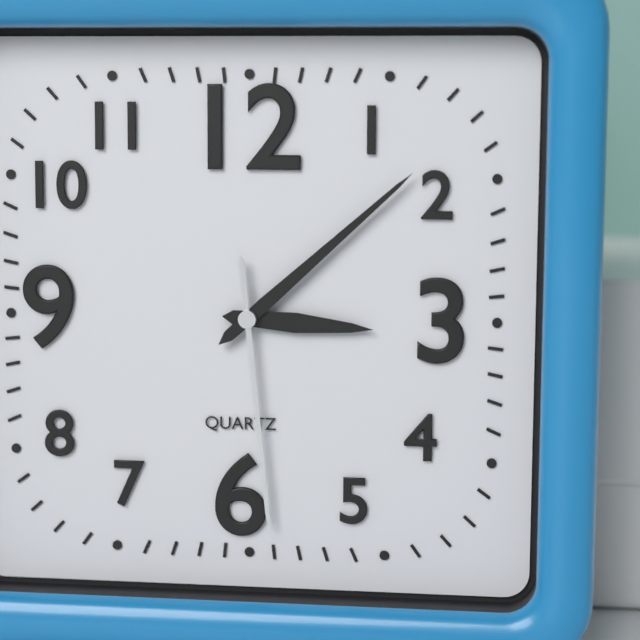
3:08:29
